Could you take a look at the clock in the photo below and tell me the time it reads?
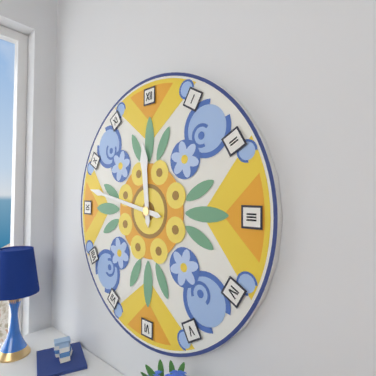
11:47
